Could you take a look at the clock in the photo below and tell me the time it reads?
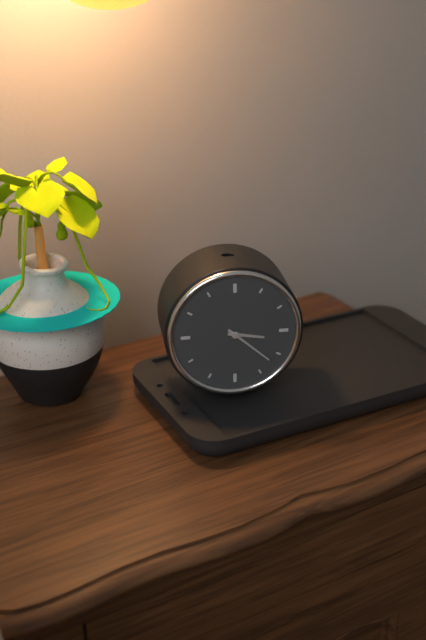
3:22
